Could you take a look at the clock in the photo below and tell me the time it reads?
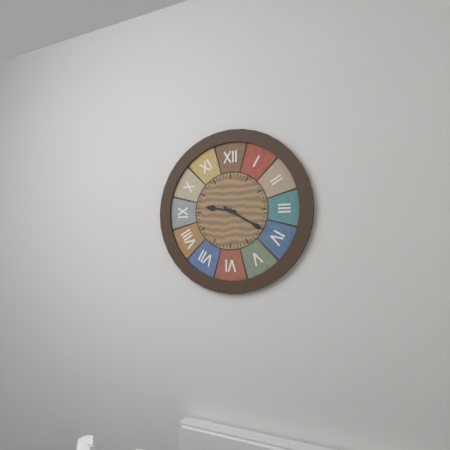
9:20
